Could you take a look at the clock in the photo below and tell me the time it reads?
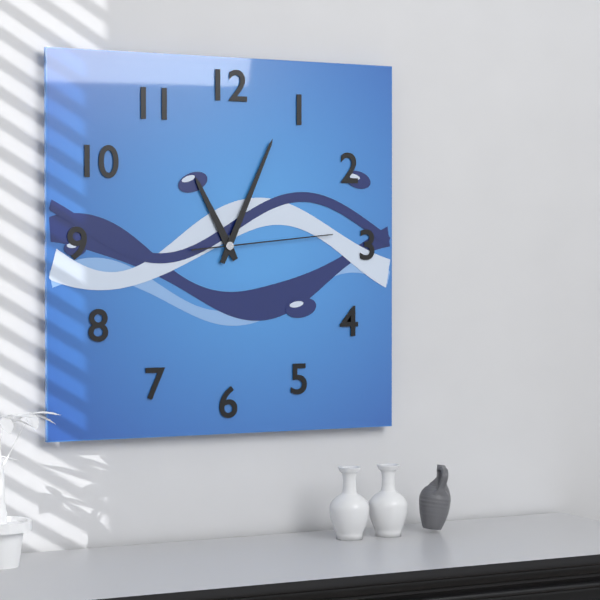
11:04:14
